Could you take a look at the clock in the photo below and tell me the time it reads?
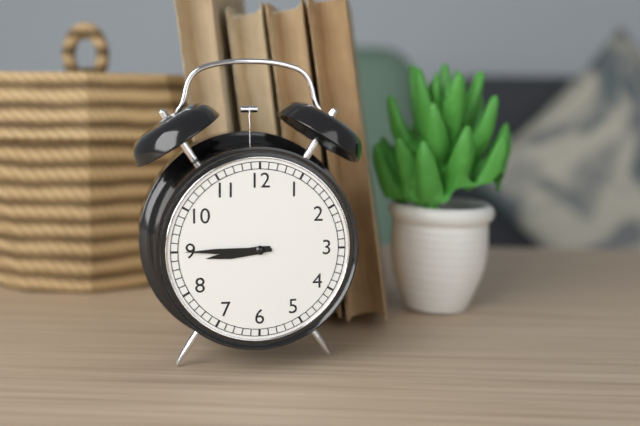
8:45
